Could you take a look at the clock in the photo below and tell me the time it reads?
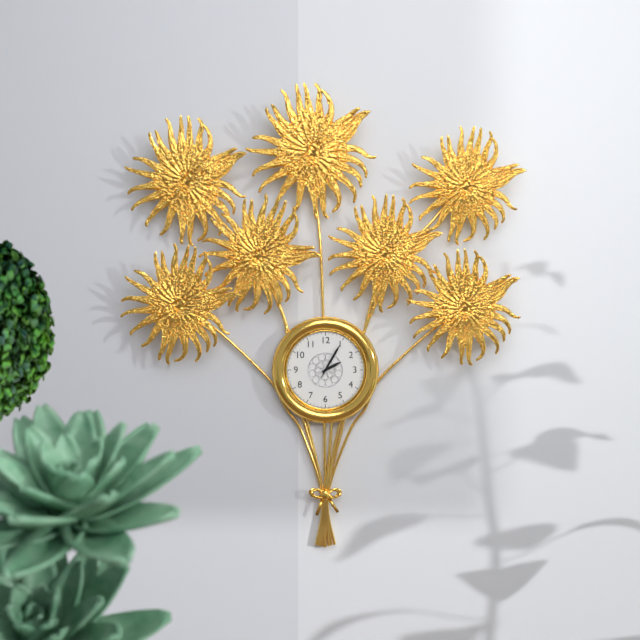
2:05
